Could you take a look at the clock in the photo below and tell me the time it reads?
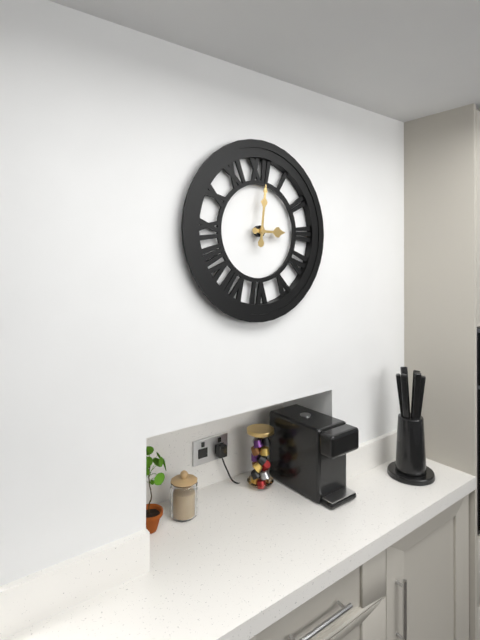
3:01
